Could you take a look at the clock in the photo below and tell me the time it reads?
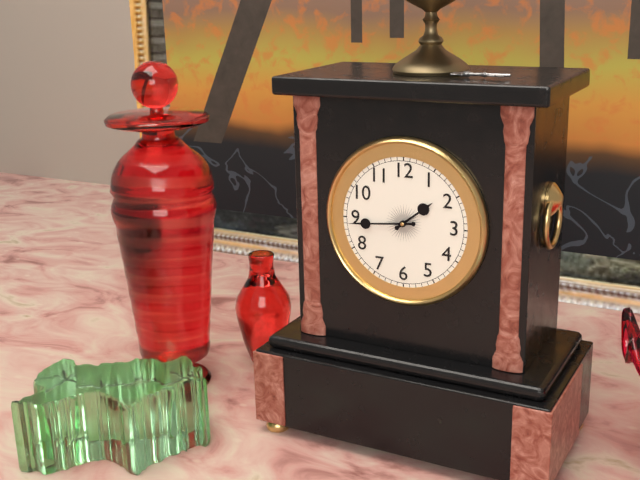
1:44
